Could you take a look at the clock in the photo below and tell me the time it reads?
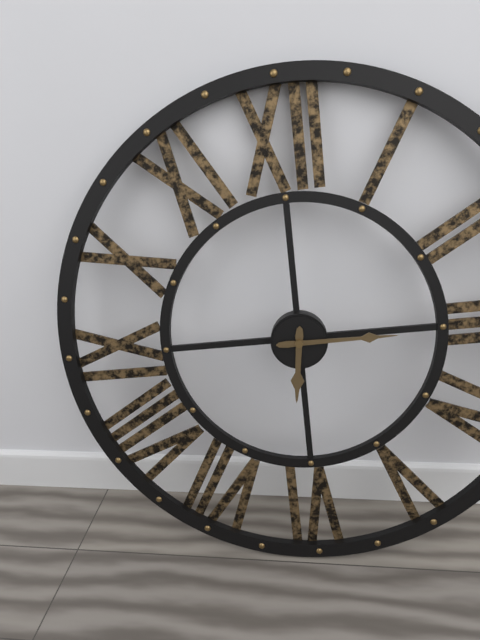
6:15
